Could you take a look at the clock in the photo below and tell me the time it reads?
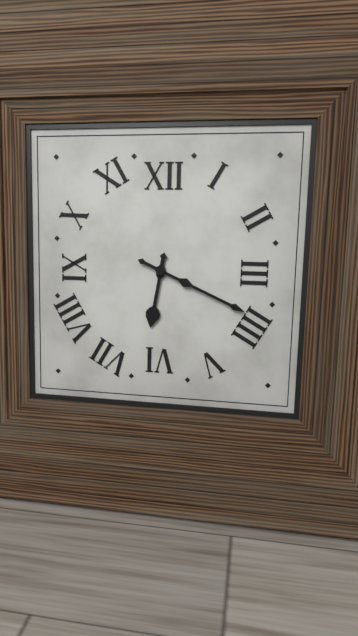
6:19
